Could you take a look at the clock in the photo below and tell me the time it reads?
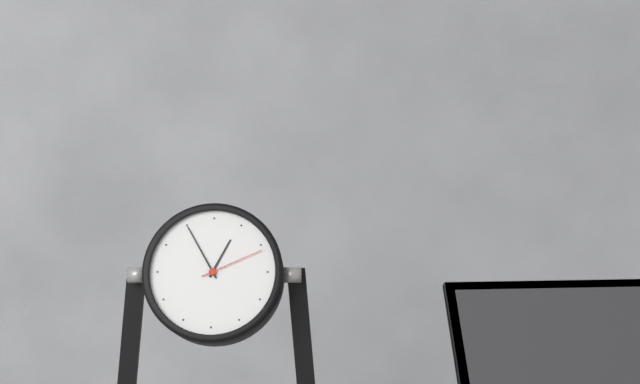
12:55:11
